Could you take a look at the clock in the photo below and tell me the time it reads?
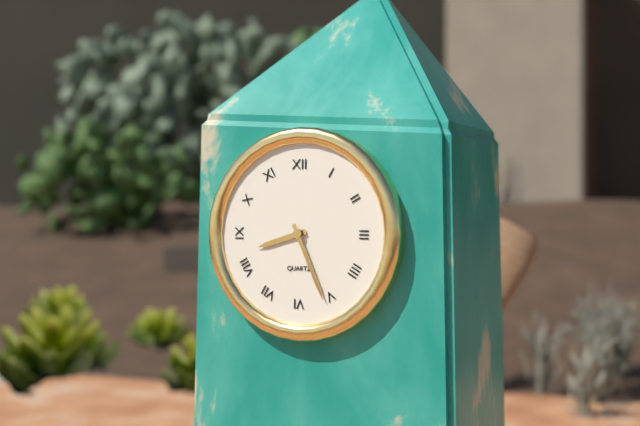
8:26
